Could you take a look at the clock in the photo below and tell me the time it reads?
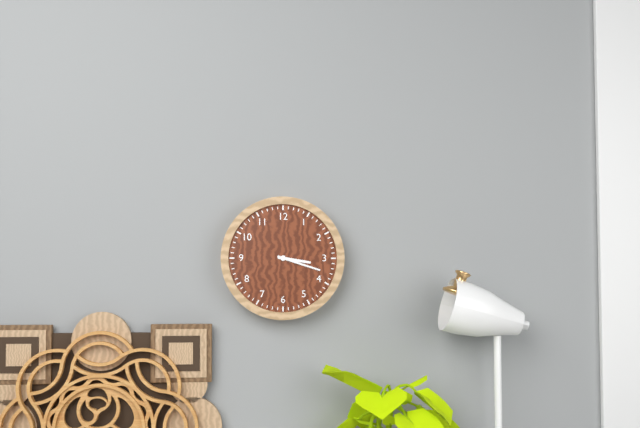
3:18
